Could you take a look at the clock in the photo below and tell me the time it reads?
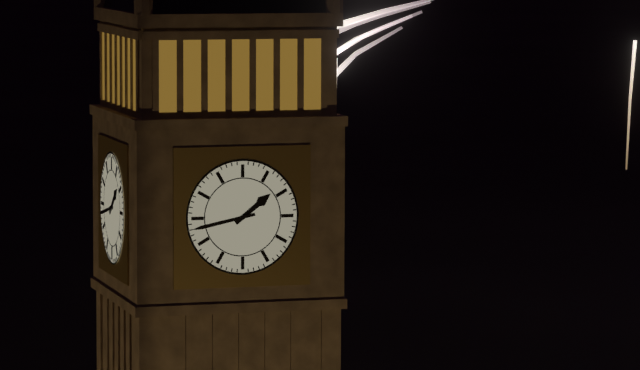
1:43
